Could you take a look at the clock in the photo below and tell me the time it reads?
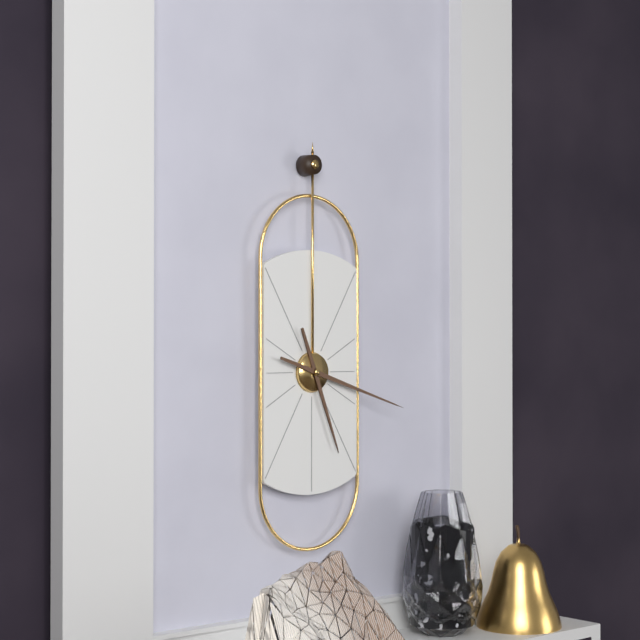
5:18
